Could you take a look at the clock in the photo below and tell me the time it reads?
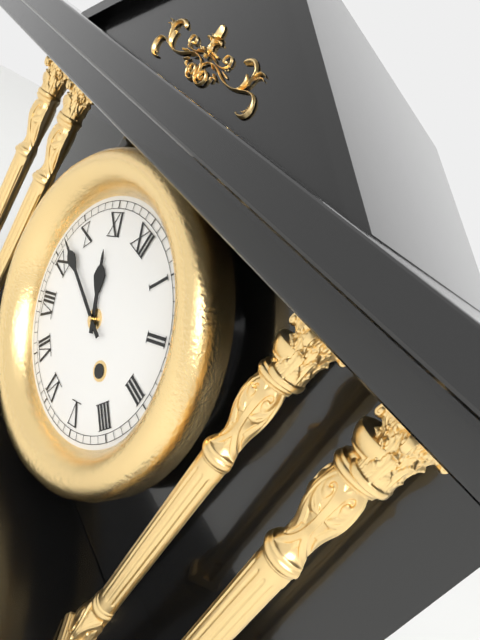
10:47
